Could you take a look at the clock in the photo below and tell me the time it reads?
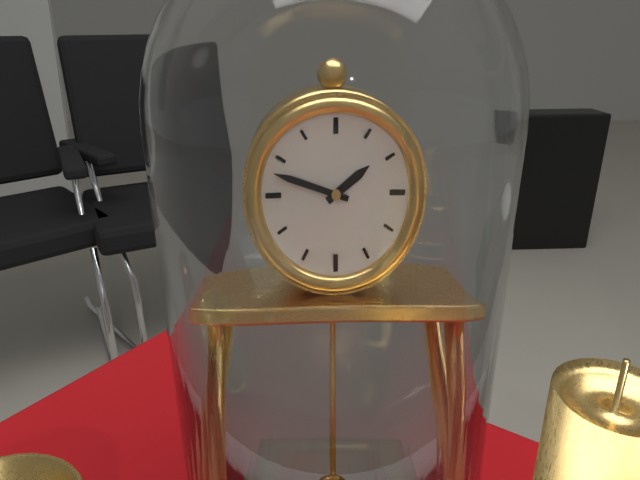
1:48
